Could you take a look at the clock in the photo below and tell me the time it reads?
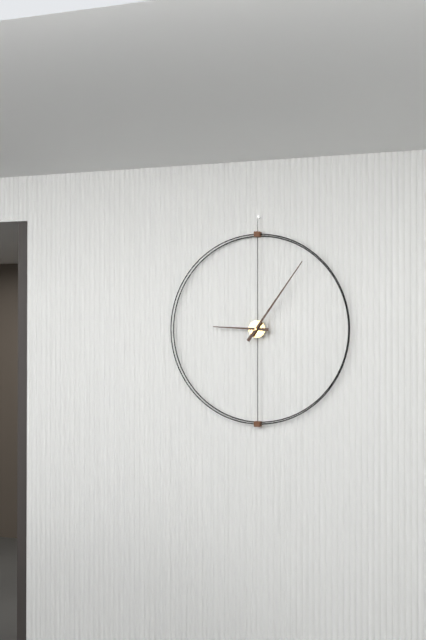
9:06
